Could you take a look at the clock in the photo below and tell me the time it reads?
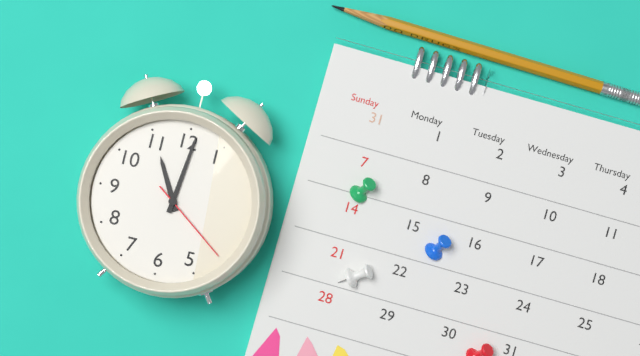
11:01:21
